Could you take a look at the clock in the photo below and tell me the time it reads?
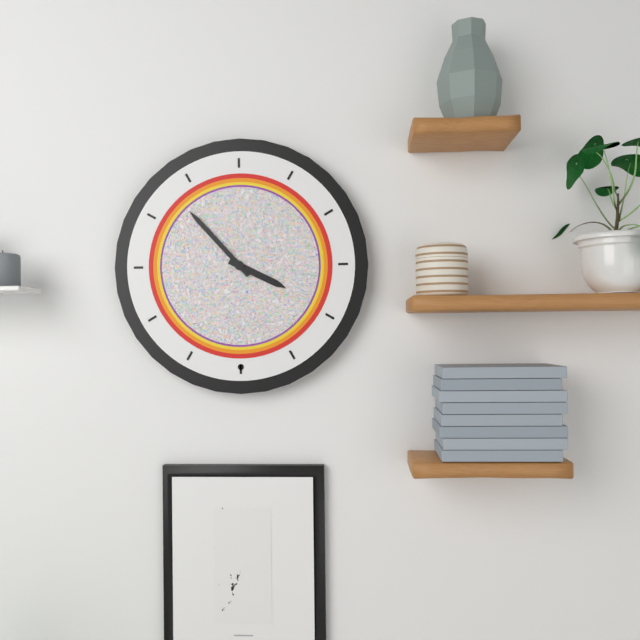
3:53
